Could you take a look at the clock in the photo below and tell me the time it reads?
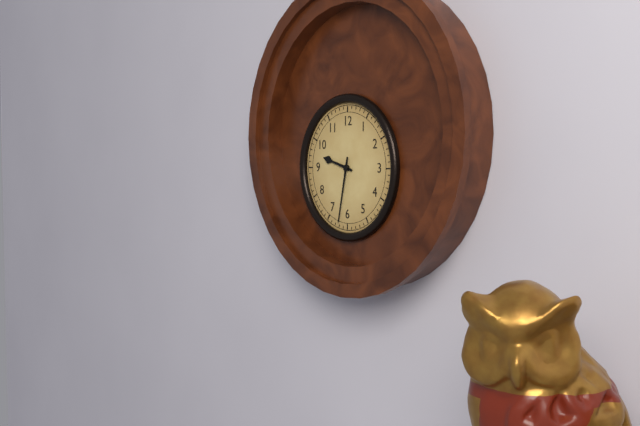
9:32
